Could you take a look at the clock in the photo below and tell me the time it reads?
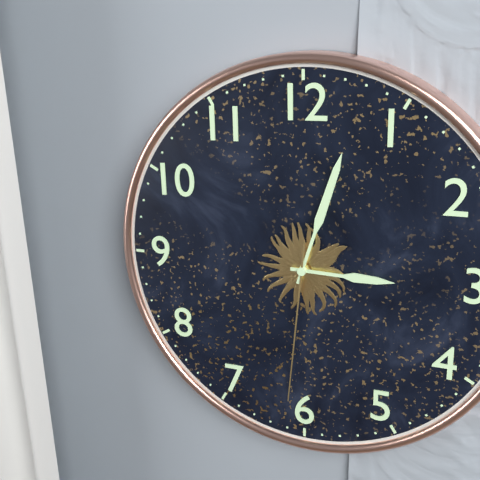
3:03:31
